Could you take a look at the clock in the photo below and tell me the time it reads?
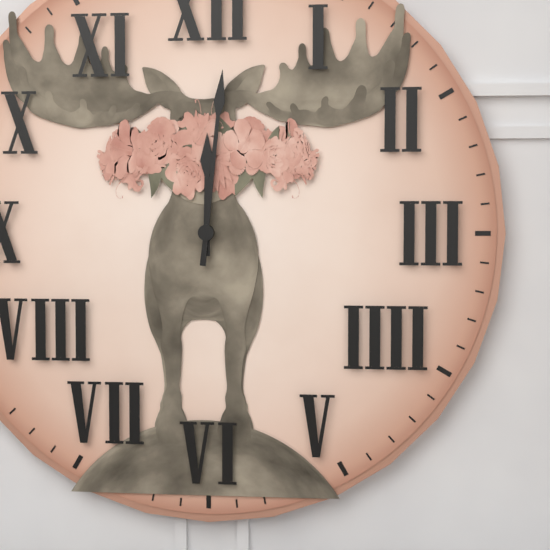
12:01
